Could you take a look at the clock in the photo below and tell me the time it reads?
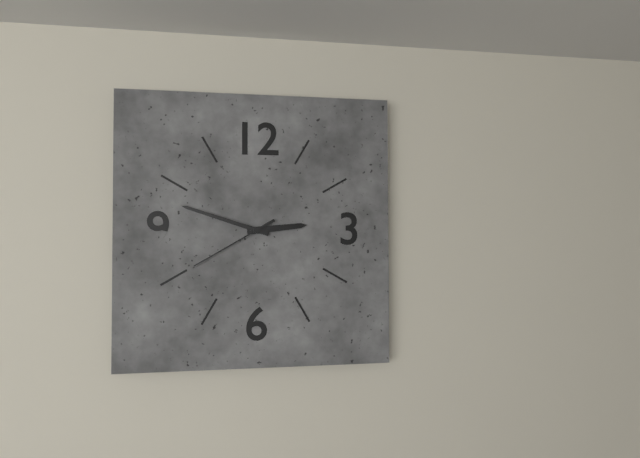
2:48:40
